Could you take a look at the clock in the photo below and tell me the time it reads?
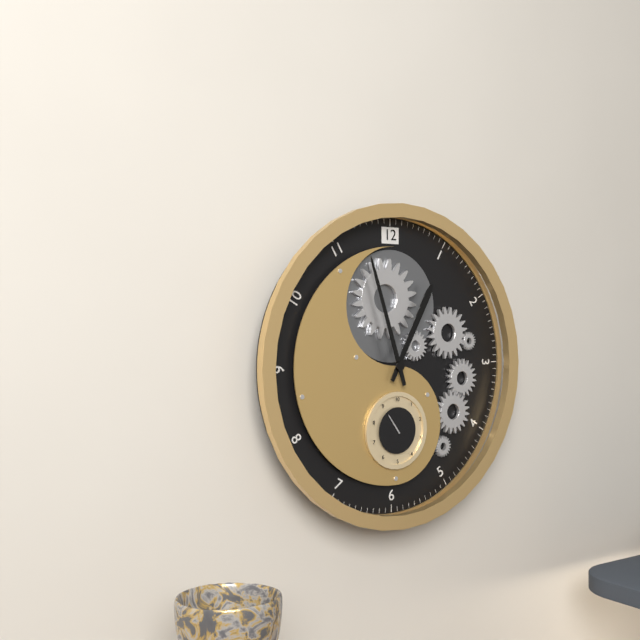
12:57
